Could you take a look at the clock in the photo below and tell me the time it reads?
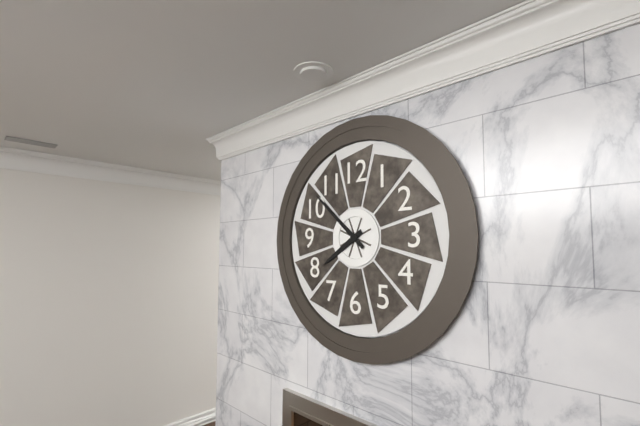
7:52
